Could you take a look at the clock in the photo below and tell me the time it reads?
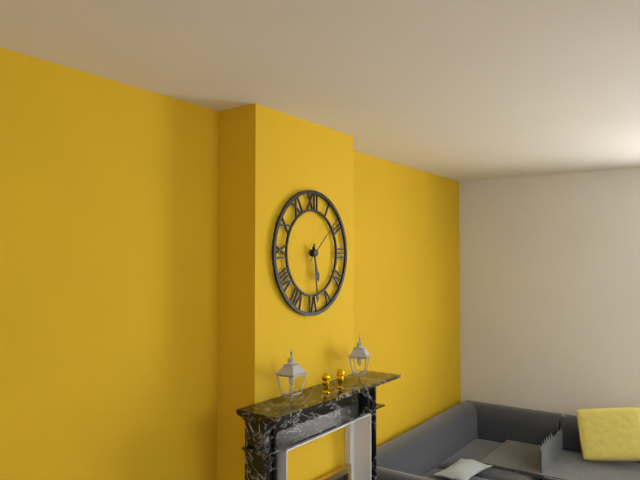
5:29:08
